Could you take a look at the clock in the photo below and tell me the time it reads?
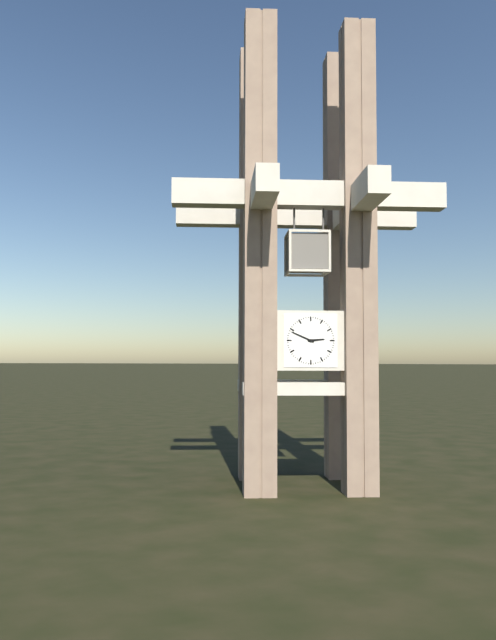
2:49
